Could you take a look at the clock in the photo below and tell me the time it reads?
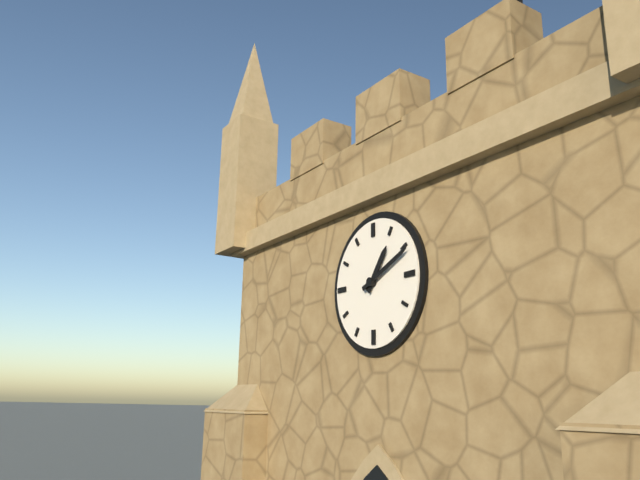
1:11
